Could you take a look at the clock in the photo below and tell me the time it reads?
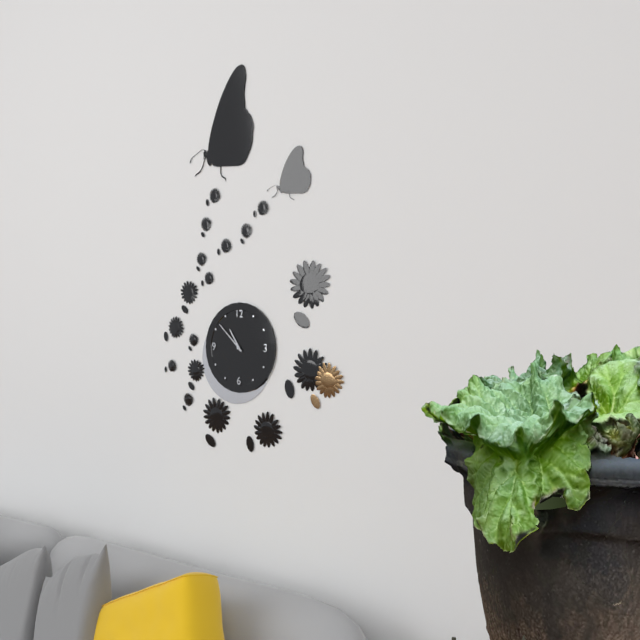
10:52
